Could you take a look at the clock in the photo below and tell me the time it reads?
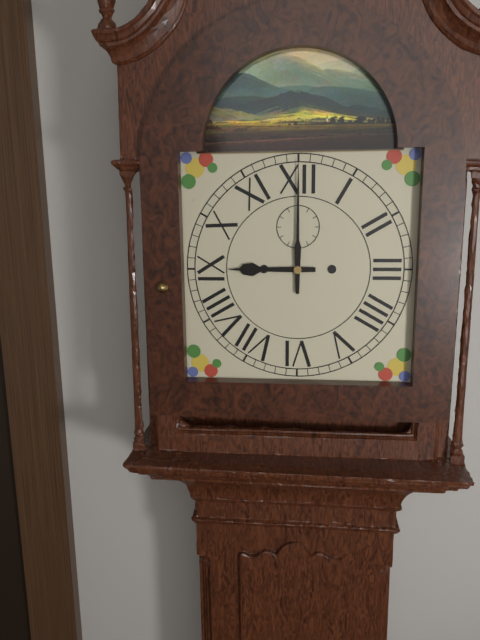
9:00
